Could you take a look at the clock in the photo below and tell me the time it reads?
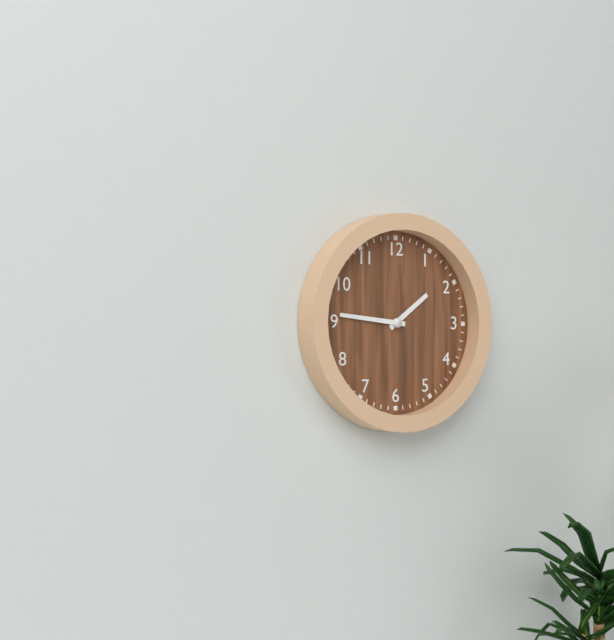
1:46
